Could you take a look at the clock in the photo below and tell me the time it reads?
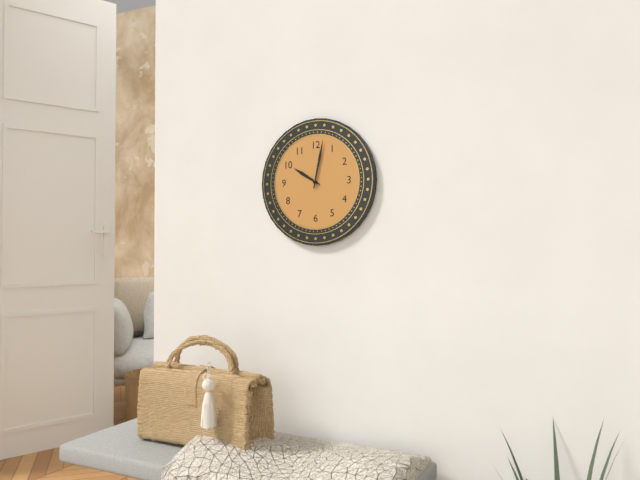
10:02
